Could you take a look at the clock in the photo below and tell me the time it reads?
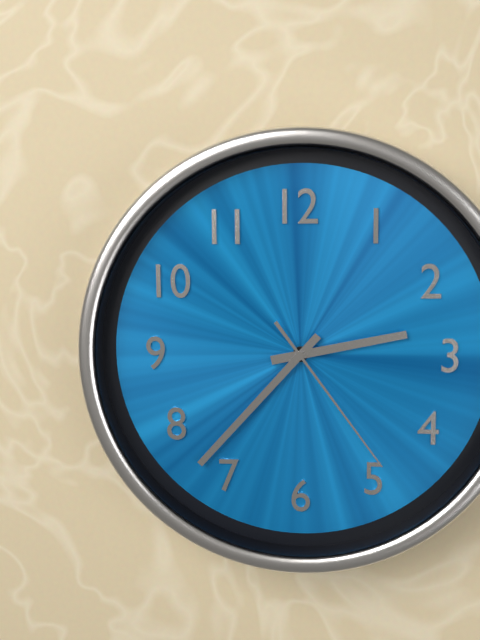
2:37:24
